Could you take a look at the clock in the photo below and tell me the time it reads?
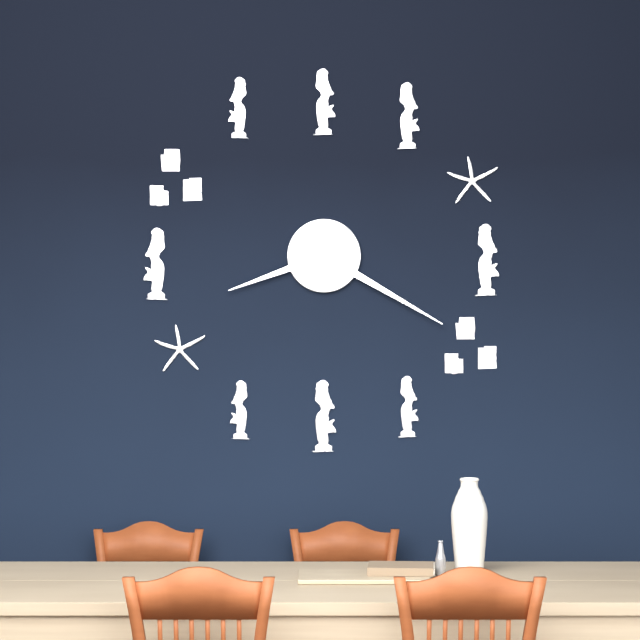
8:20
